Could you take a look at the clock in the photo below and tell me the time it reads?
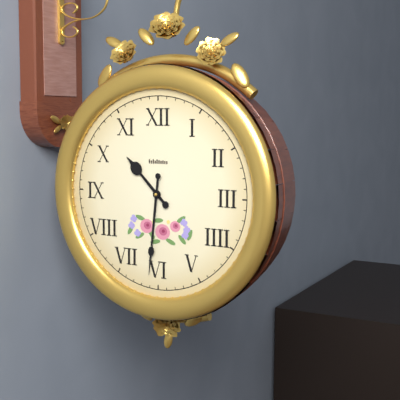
10:31
